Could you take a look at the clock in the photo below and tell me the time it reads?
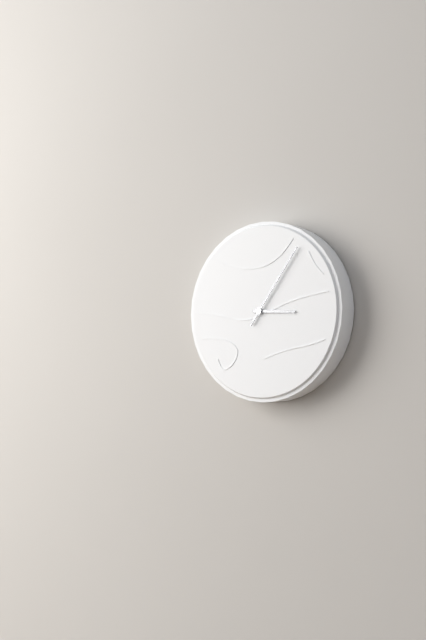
3:06
